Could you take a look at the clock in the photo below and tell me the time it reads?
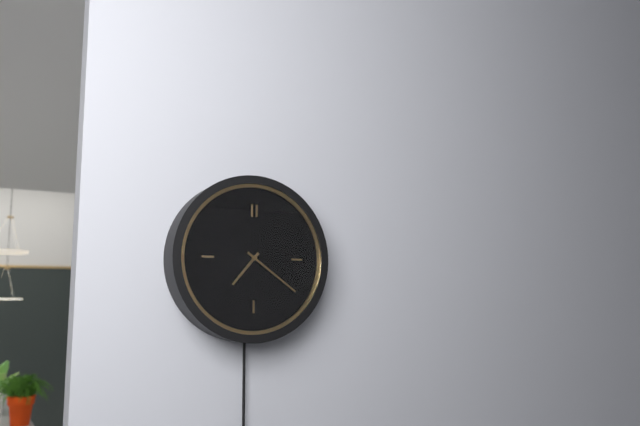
7:21
